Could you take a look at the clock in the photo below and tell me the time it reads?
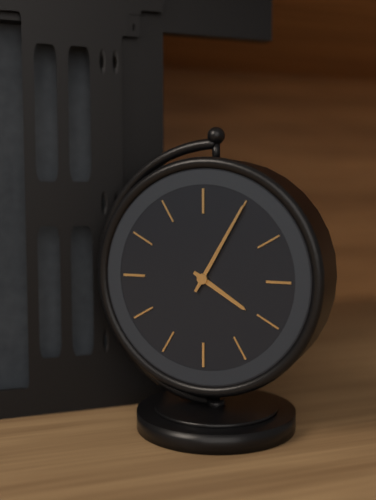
4:05
